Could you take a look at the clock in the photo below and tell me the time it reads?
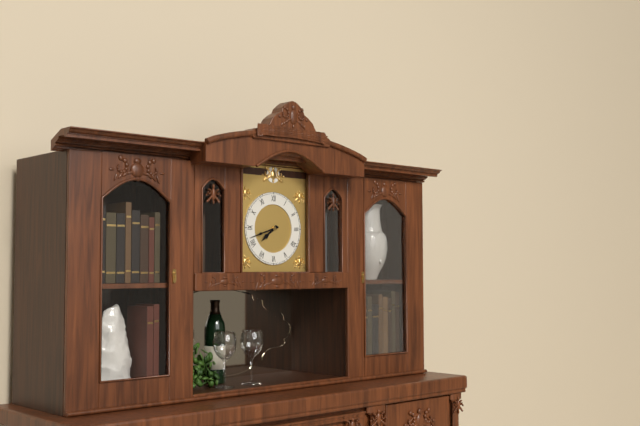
7:42
